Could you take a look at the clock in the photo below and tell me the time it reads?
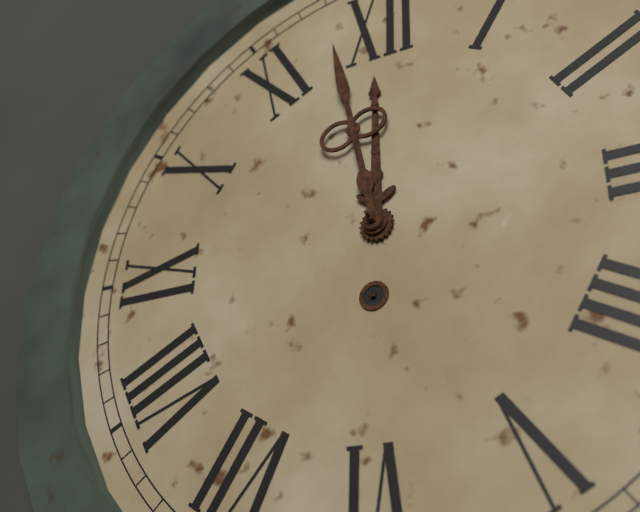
11:58
